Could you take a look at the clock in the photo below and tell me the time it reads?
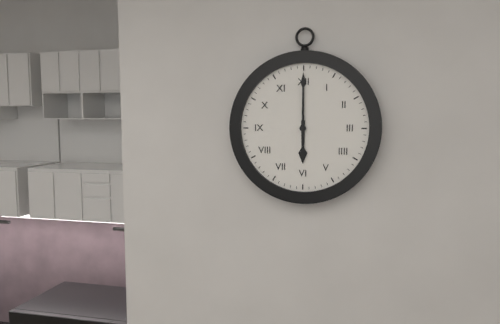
6:00
